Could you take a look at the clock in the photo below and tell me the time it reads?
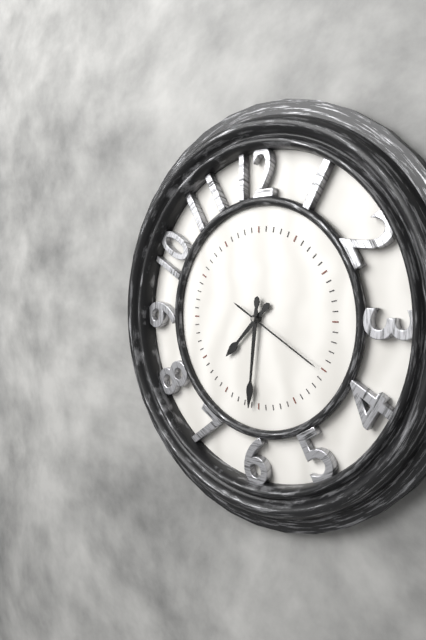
7:31:20
